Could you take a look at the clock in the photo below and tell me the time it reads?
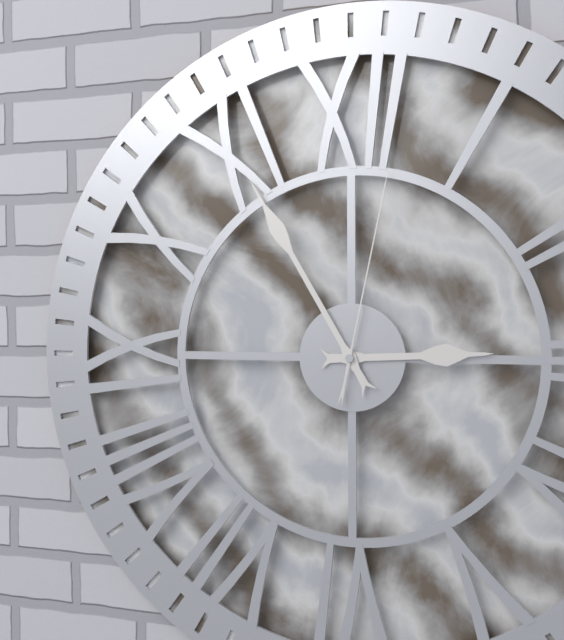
2:55:02
